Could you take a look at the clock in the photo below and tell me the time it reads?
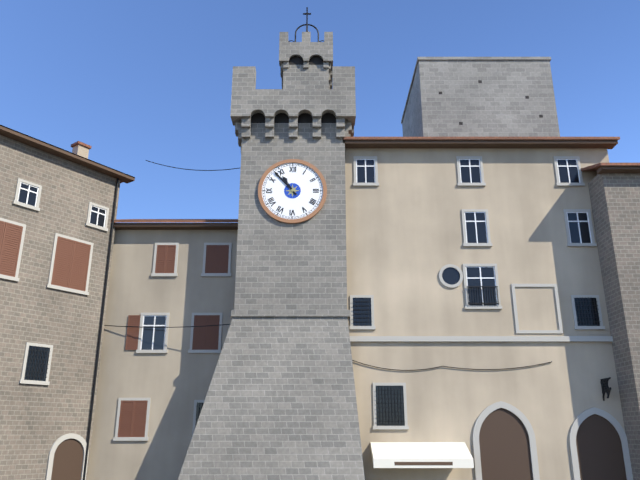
10:53
